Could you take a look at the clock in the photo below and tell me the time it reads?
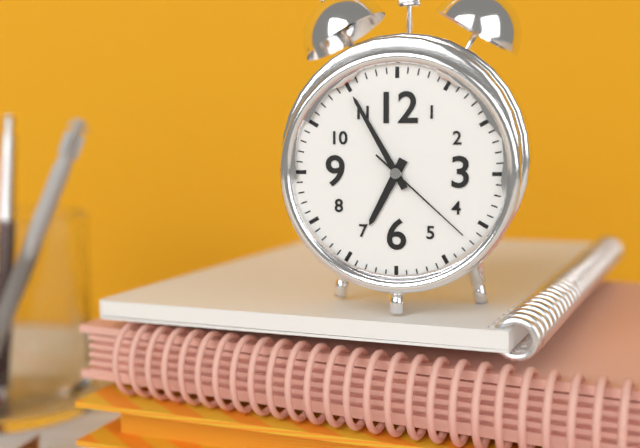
6:55:22
